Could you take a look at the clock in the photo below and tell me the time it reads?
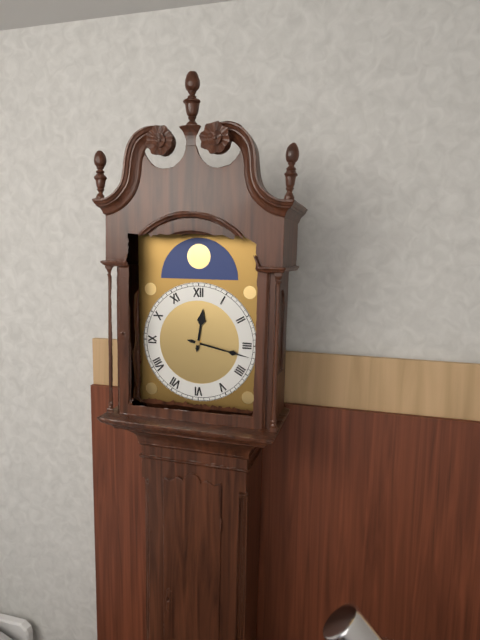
12:17
